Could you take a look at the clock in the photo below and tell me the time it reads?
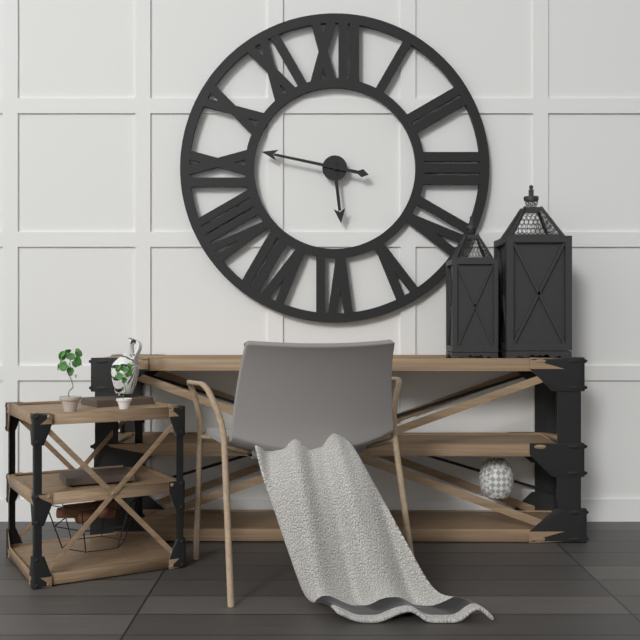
5:47
